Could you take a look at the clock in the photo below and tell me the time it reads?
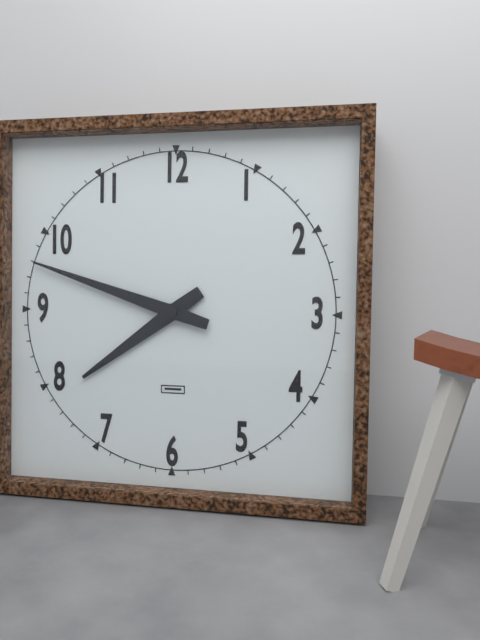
7:48
